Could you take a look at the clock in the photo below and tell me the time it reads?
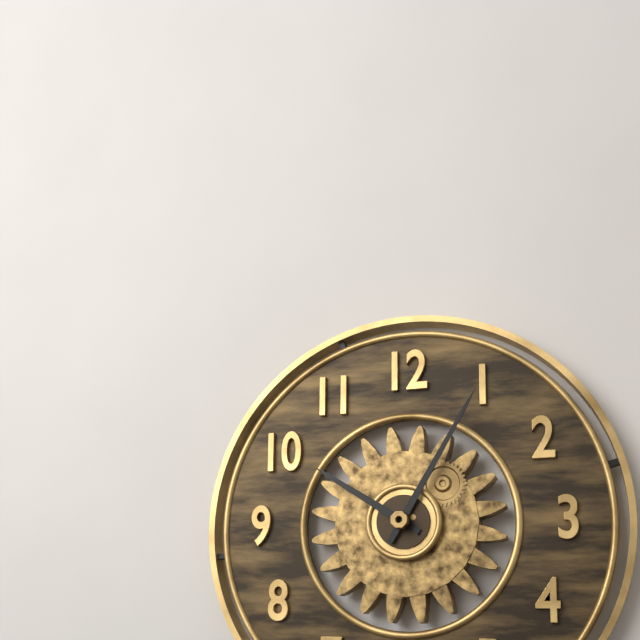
10:05
